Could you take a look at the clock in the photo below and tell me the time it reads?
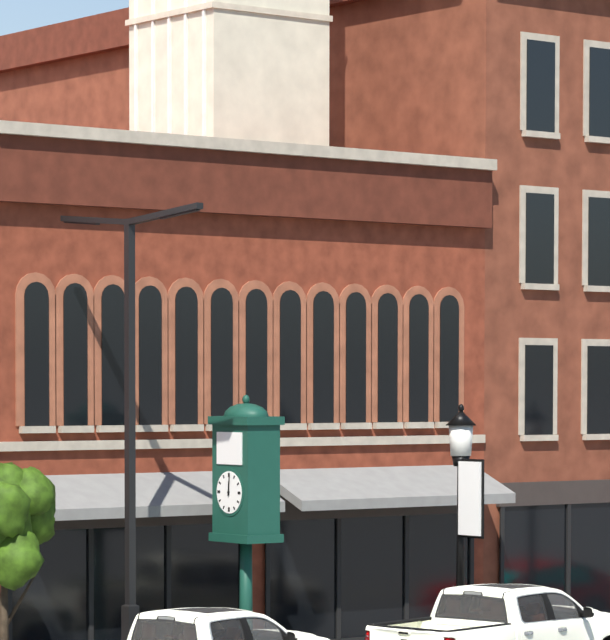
12:01
